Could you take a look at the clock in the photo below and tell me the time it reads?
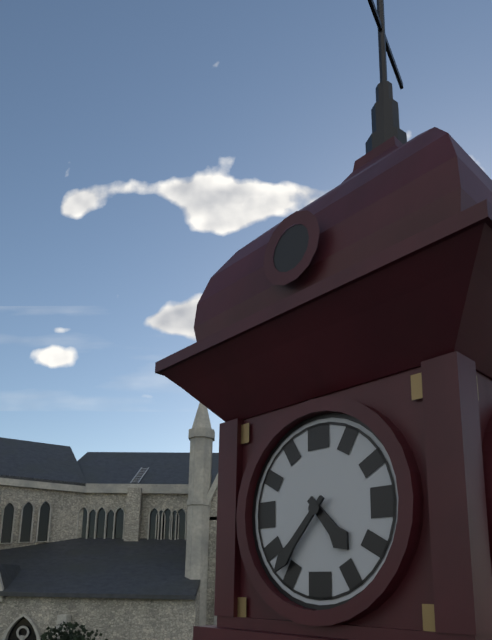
4:37
